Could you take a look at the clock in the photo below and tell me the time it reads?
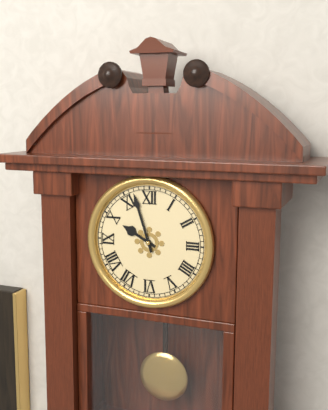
9:57
